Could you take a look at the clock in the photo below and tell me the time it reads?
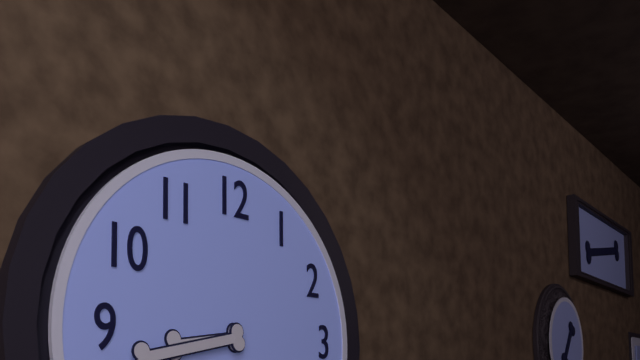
8:43
